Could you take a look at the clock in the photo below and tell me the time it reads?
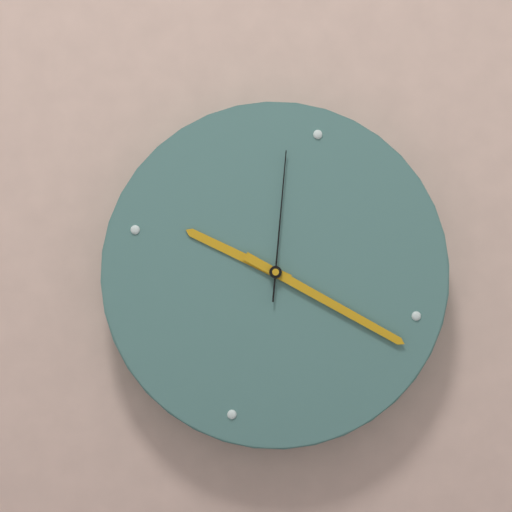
9:17:58
